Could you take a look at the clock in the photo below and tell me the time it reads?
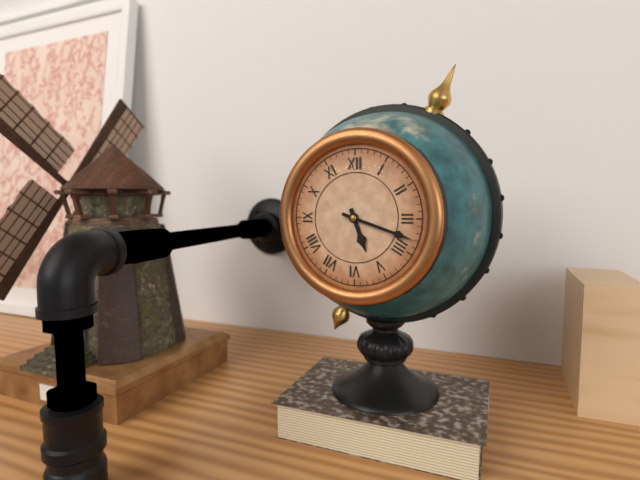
5:18
